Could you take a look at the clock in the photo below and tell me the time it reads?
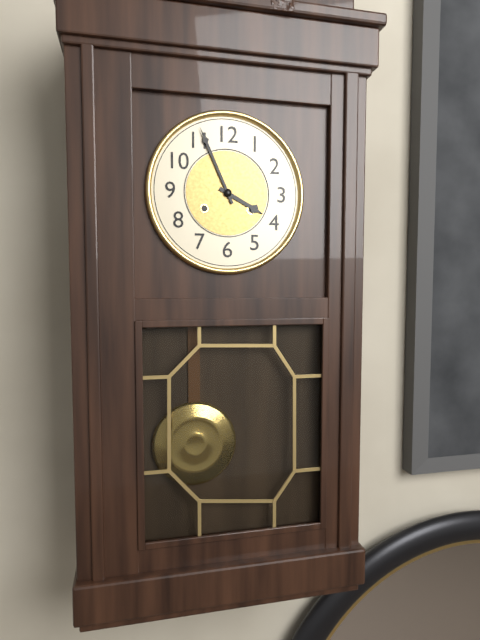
3:56
